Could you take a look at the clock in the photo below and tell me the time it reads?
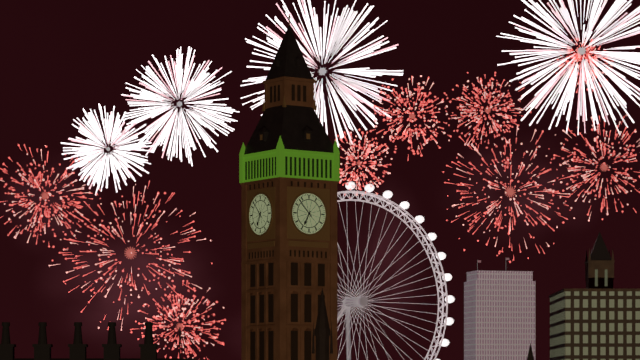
6:53
